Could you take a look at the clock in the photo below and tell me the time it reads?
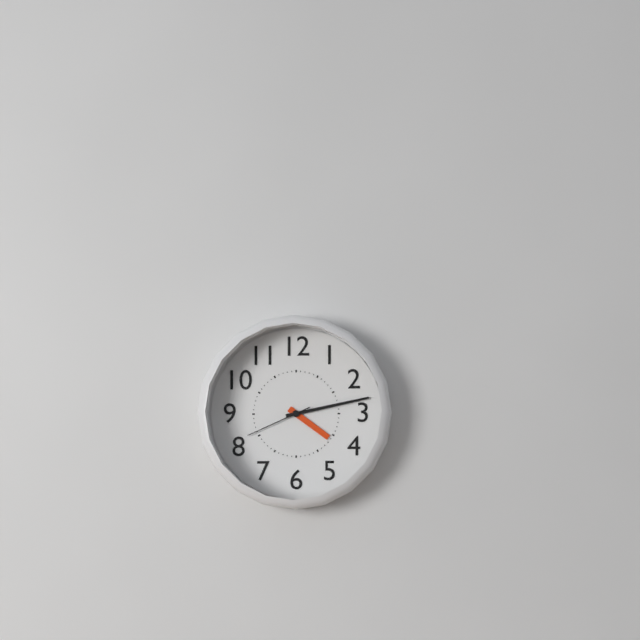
4:13:41
